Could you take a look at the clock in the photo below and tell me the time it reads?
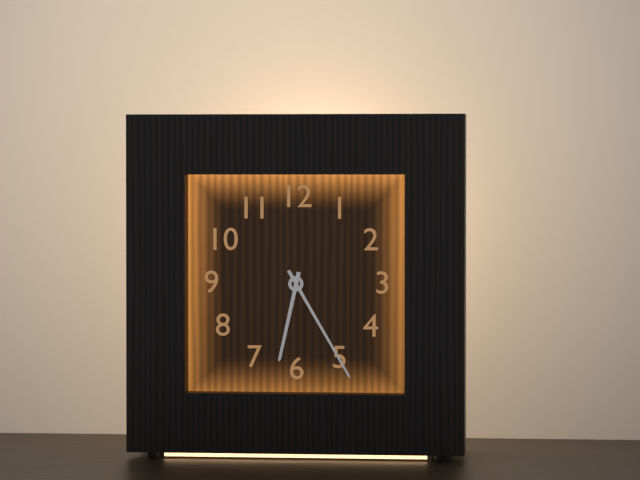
6:25
